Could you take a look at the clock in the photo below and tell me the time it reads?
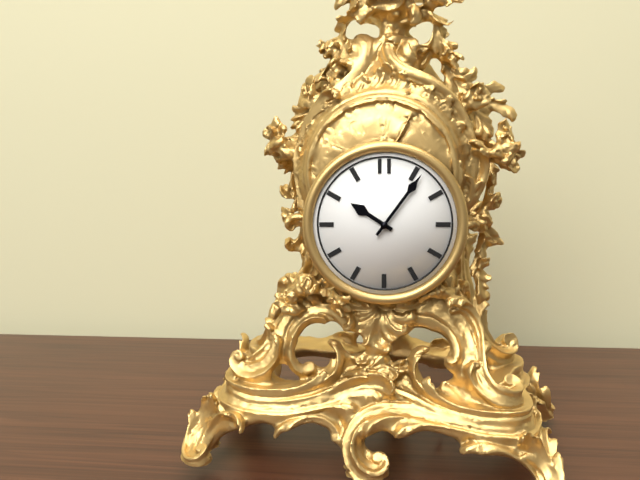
10:06
